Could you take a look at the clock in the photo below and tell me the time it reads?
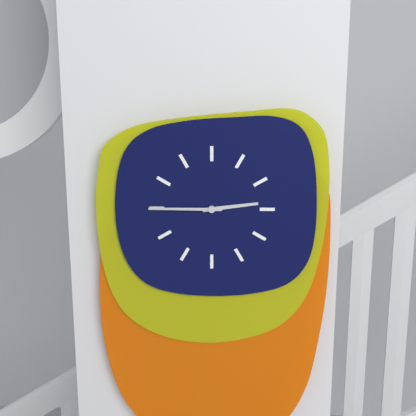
2:45
